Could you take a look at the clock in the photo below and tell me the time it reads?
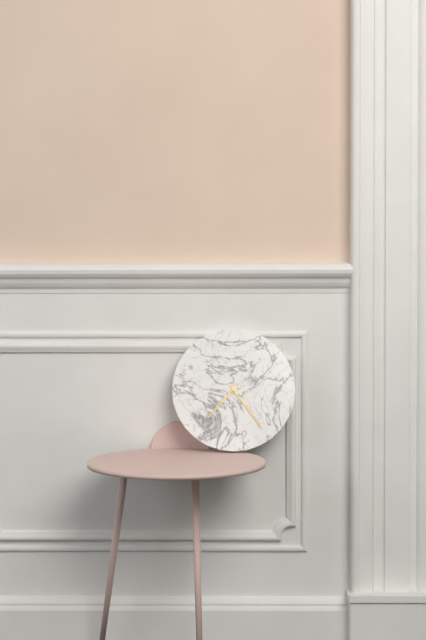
7:24
